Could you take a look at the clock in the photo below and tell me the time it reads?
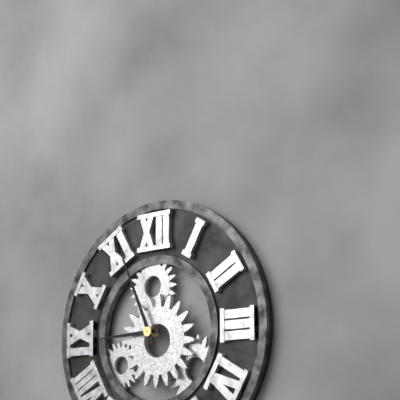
8:56
